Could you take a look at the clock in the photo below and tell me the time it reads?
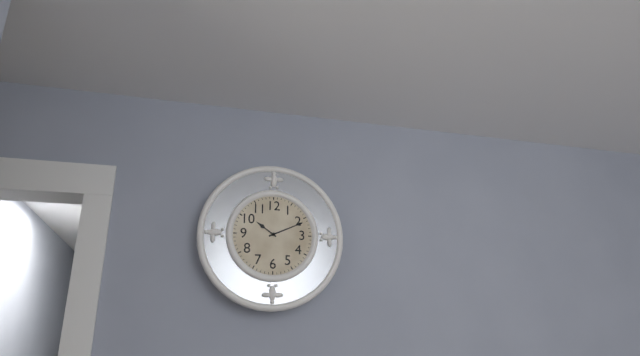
10:11
